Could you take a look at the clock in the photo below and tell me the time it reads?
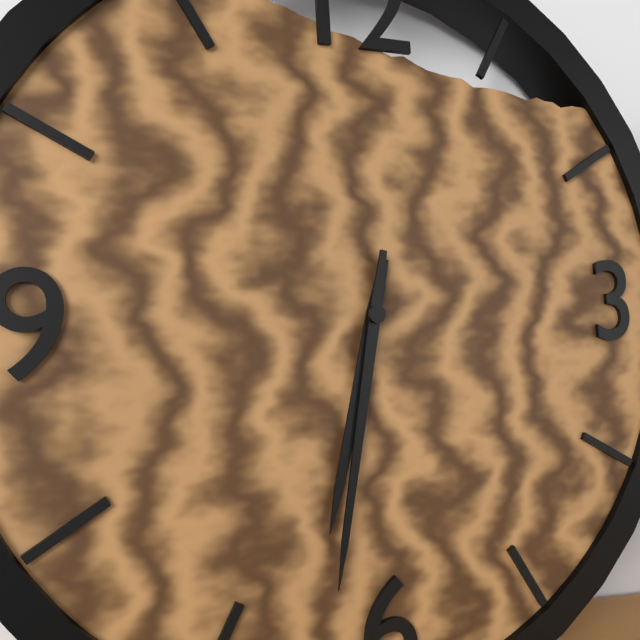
6:32
